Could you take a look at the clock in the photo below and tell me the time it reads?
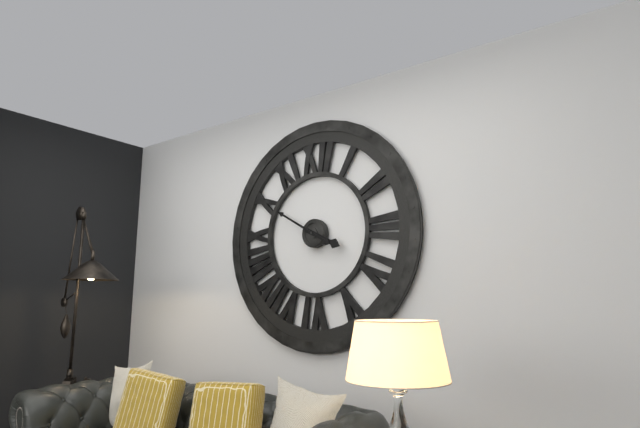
3:50
